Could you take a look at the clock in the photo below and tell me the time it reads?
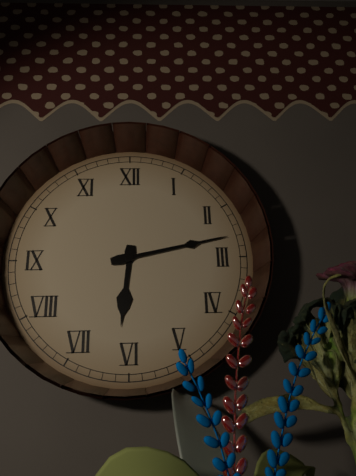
6:13
